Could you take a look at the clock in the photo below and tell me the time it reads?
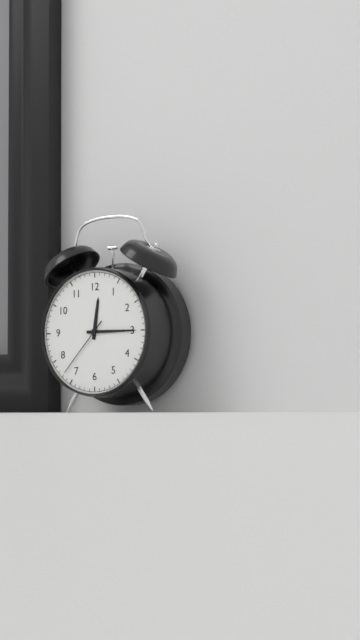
12:15:37
